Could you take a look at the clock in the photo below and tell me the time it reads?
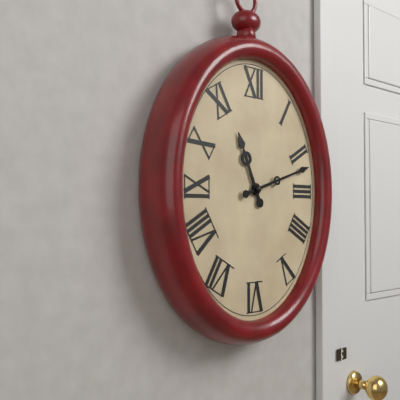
11:12
